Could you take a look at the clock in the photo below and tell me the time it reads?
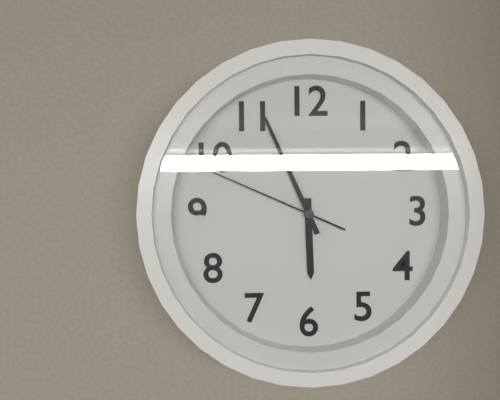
5:56:49
